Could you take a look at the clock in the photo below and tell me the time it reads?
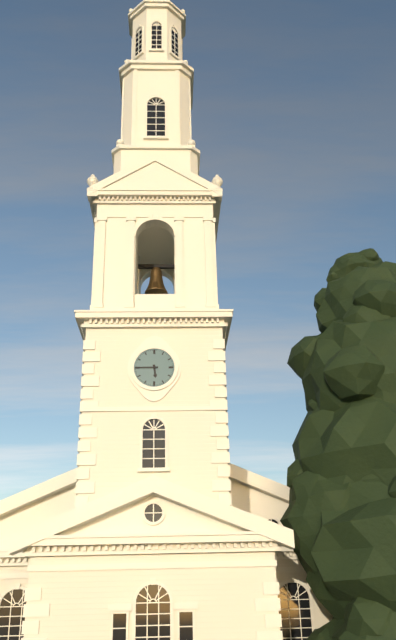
5:45
